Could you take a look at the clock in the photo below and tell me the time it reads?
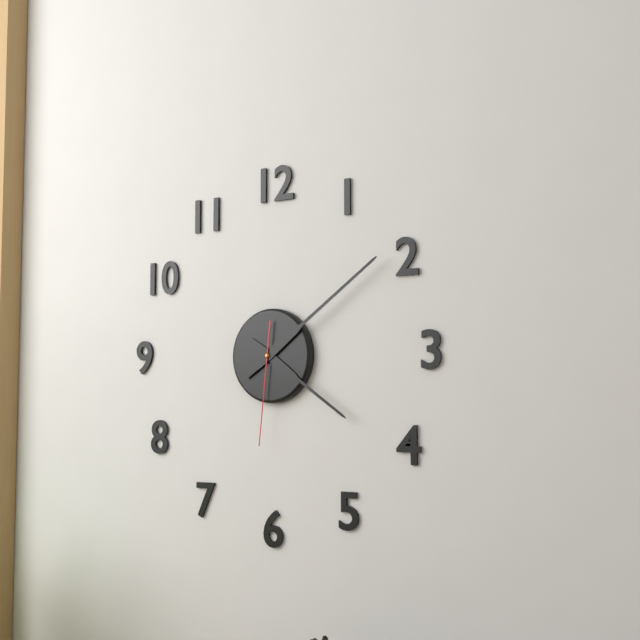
4:09:31
